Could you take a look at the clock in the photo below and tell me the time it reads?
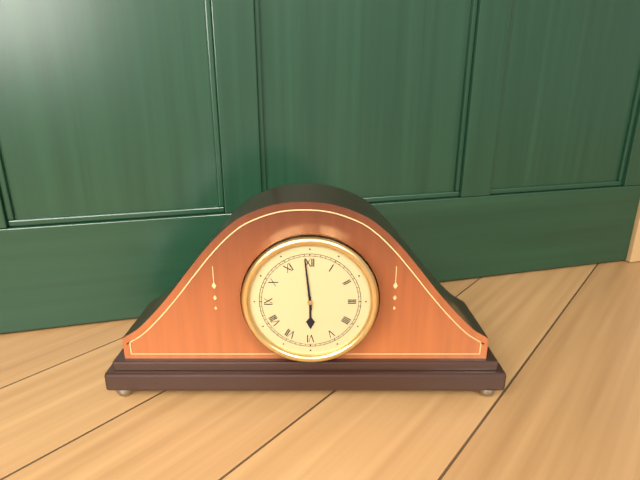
5:59
